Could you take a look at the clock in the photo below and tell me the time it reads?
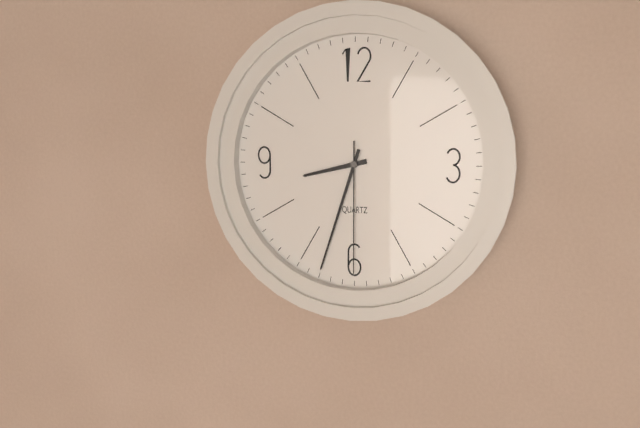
8:33:30
